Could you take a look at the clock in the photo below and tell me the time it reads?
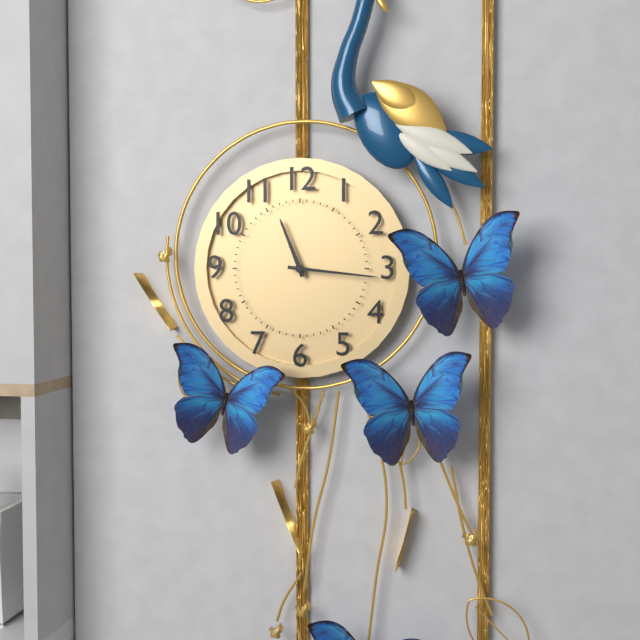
11:16
